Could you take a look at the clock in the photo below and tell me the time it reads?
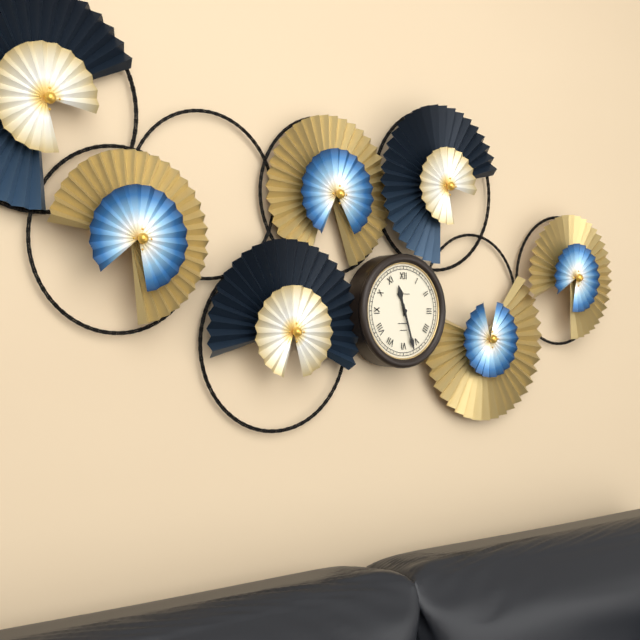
11:27
